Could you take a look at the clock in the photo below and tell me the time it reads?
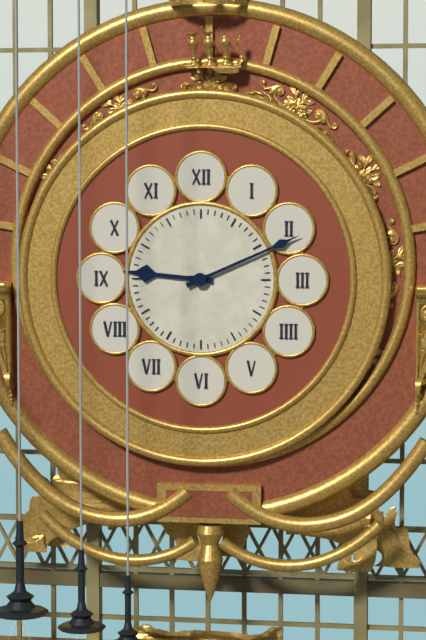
9:11
